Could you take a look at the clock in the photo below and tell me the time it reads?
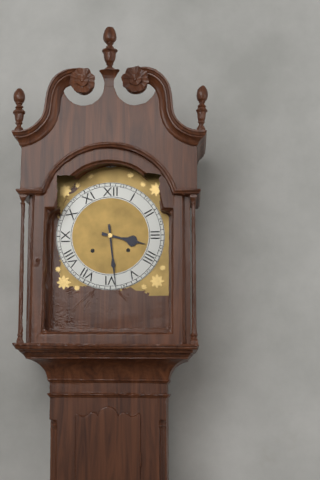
3:29
